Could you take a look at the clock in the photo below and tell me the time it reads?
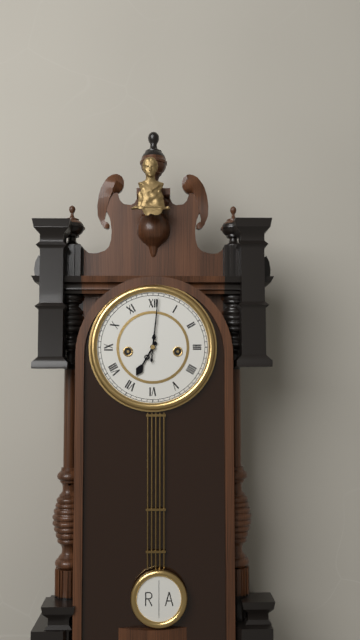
7:01
